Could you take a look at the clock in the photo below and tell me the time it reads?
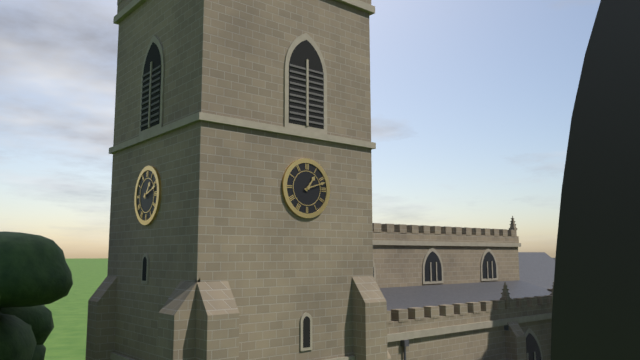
1:12
